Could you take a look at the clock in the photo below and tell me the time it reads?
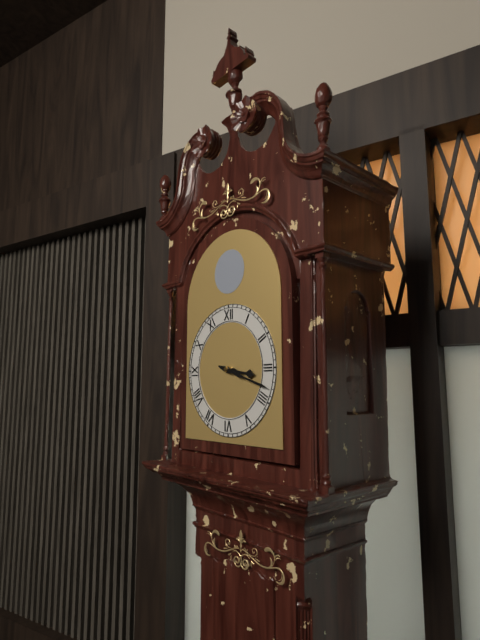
3:18
